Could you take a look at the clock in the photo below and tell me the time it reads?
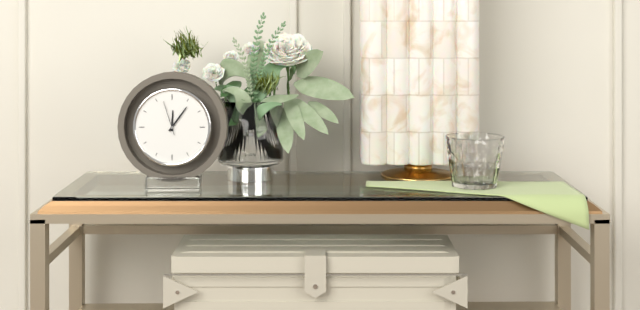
12:06
